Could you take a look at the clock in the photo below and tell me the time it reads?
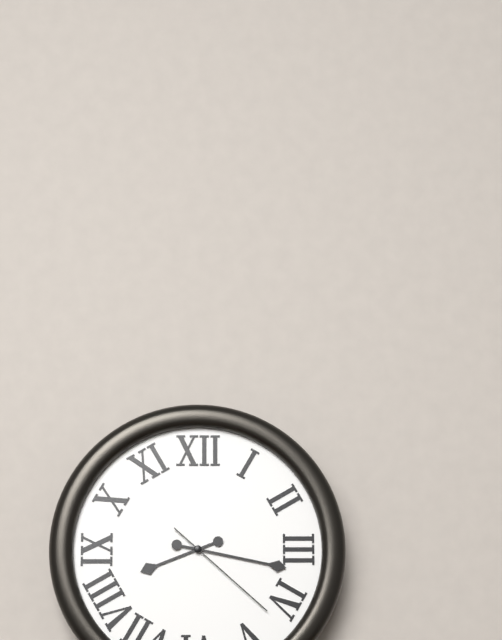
8:17:22
